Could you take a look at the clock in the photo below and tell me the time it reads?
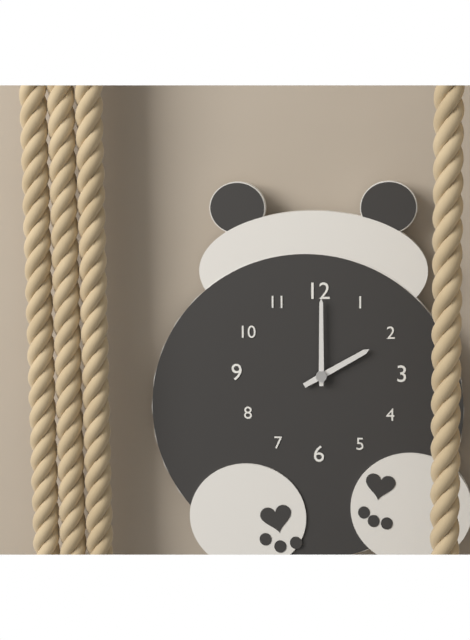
2:00
